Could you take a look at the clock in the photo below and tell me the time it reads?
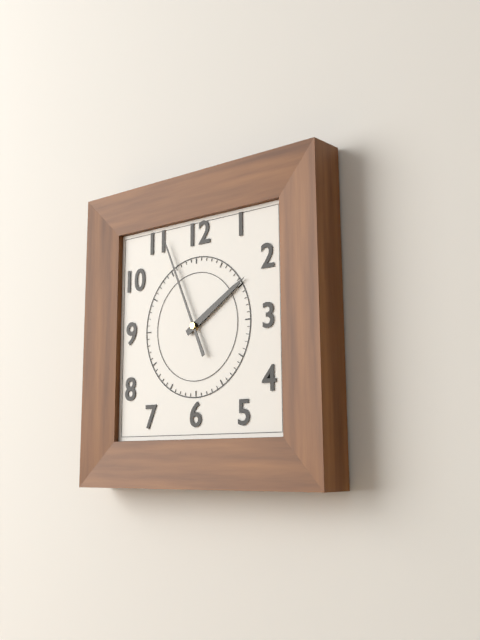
1:56
